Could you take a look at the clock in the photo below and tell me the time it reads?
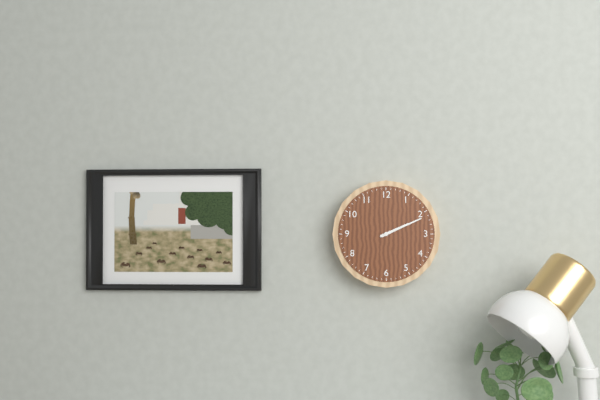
2:11
